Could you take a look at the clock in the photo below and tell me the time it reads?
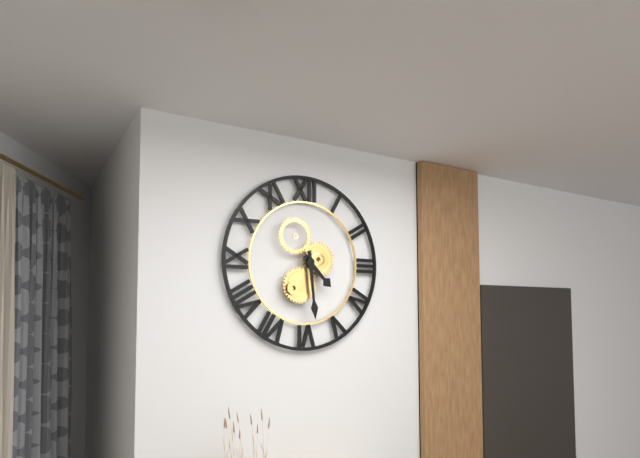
4:29
